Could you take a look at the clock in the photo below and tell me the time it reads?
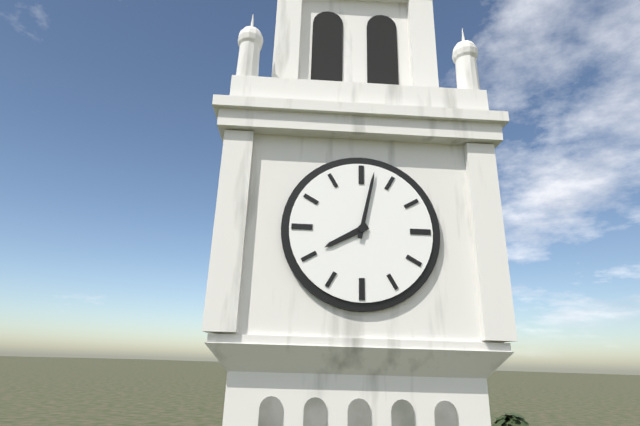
8:02
